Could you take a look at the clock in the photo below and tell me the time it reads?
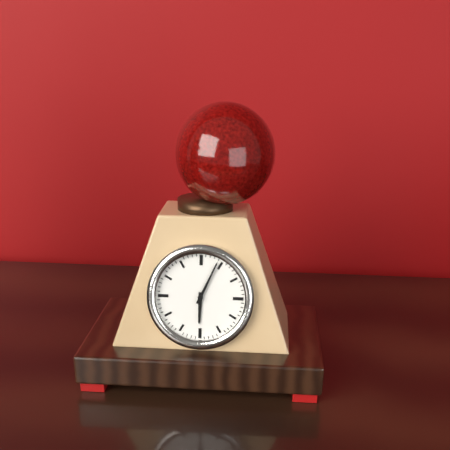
6:04
